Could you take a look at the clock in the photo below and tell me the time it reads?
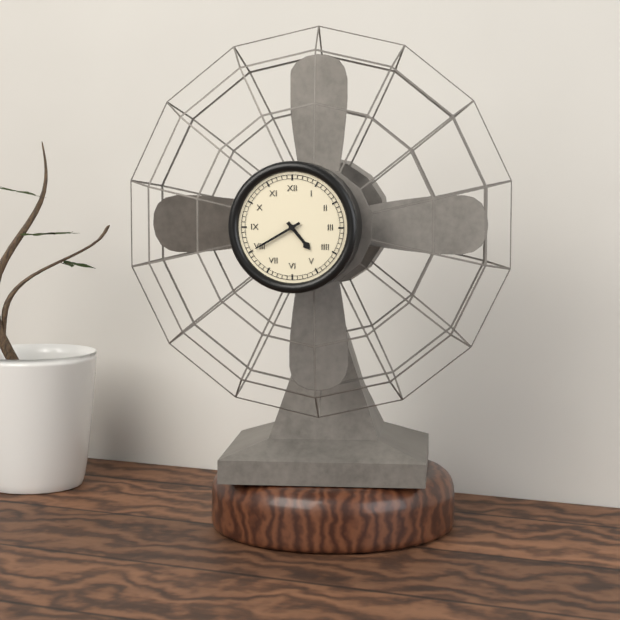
4:40
